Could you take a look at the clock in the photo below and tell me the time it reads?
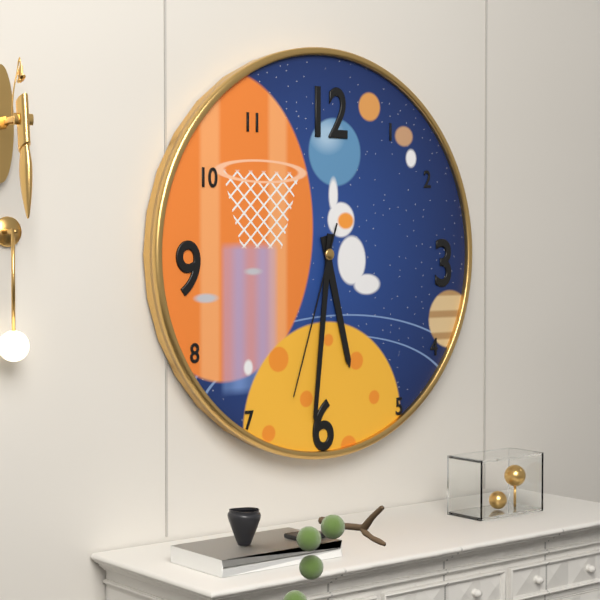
5:31:33
